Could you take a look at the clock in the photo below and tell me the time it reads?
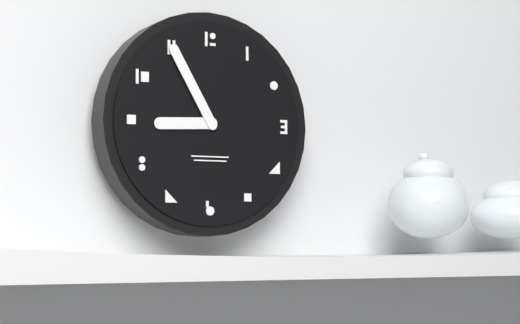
8:55
